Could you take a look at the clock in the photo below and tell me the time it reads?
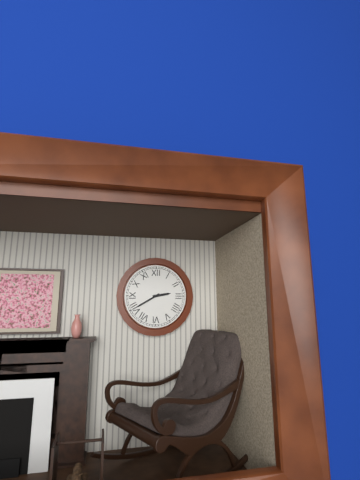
2:40
